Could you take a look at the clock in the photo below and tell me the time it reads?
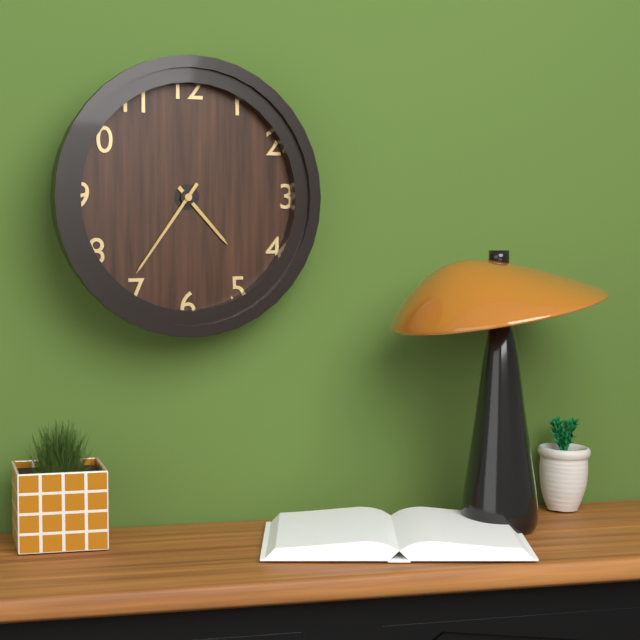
4:36
